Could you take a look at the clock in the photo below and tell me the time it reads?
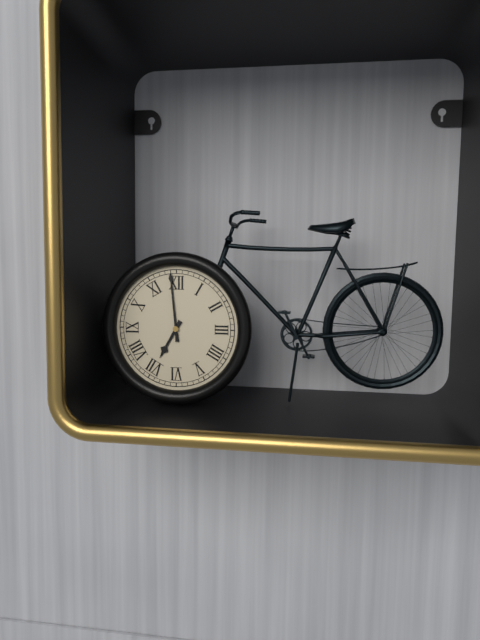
6:59
